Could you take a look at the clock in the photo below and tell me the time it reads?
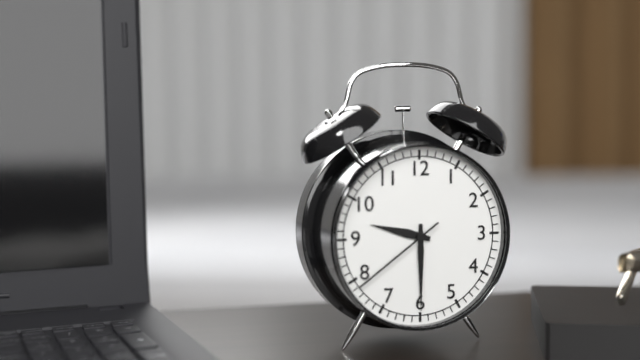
9:30:39
